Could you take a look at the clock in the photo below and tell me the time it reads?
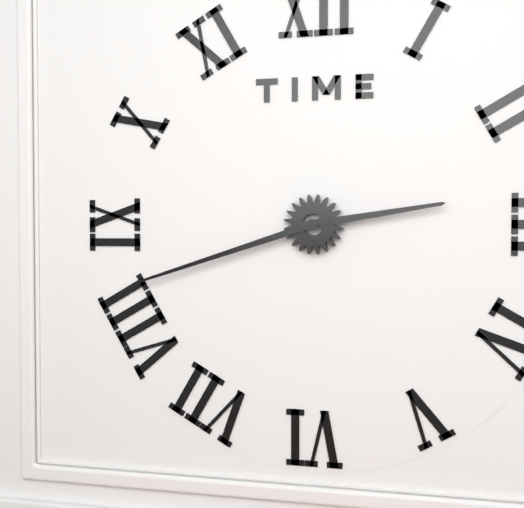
2:42
